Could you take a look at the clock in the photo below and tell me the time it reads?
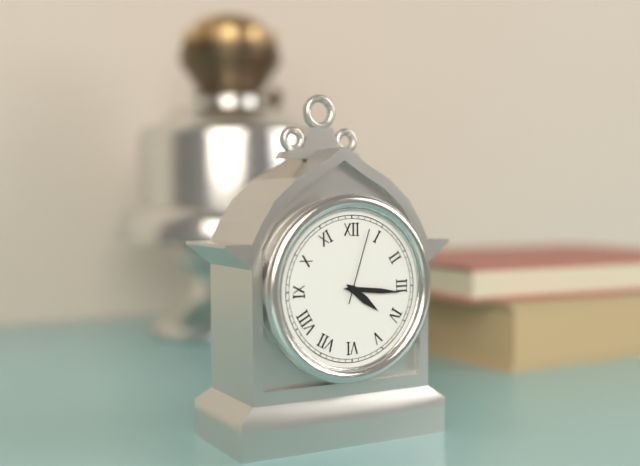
4:16:03
